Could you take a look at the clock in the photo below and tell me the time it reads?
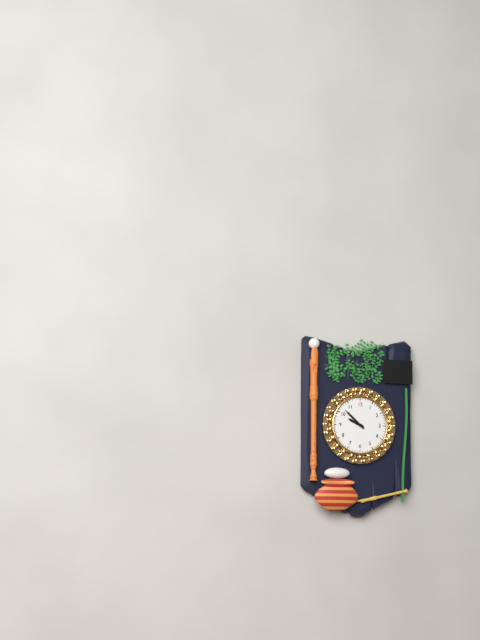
9:52
